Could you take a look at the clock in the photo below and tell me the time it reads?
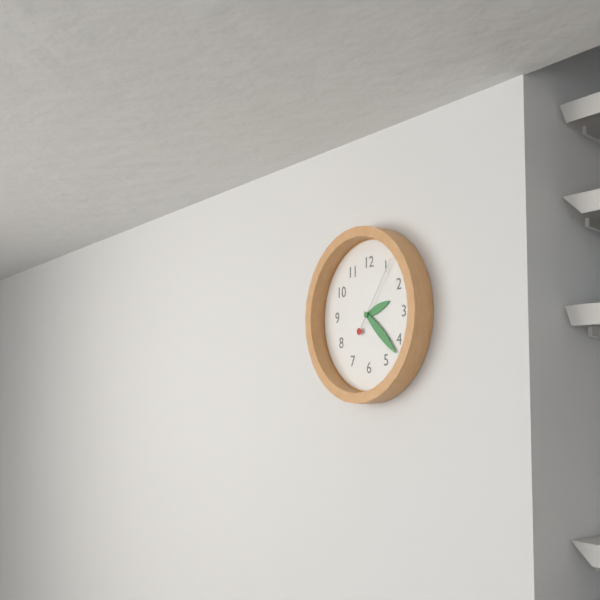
2:22:06
